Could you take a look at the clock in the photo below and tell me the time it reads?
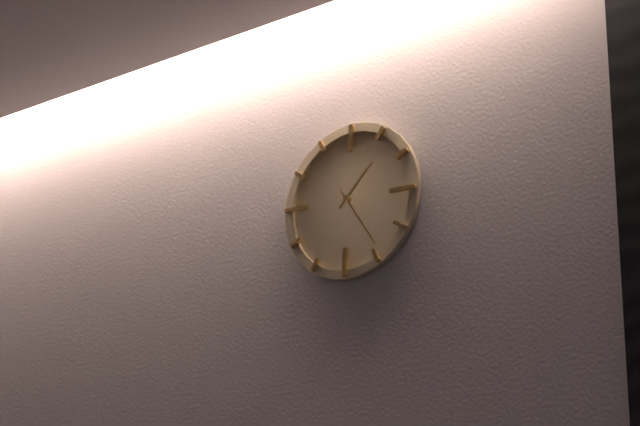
1:24
